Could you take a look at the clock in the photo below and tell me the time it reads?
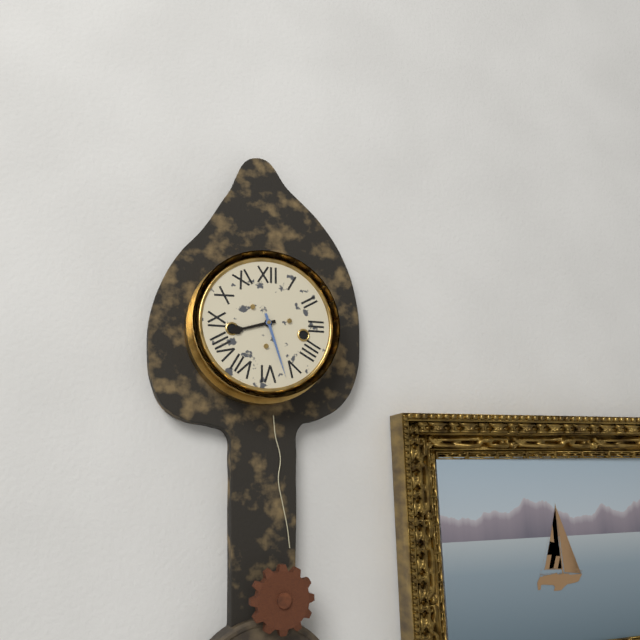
8:27
